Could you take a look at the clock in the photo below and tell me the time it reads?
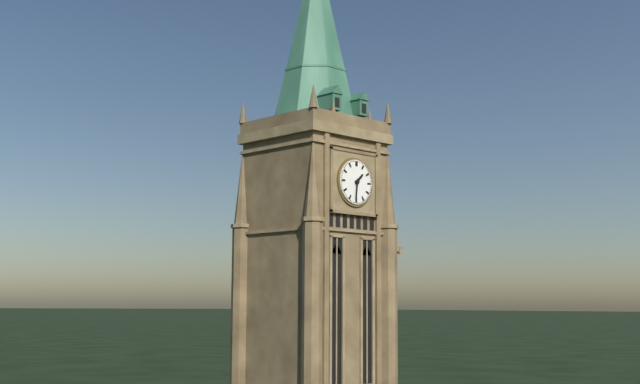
1:31
